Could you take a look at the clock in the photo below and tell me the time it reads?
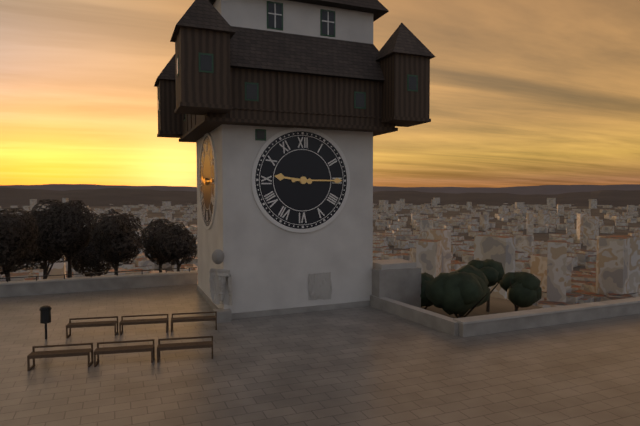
9:15
